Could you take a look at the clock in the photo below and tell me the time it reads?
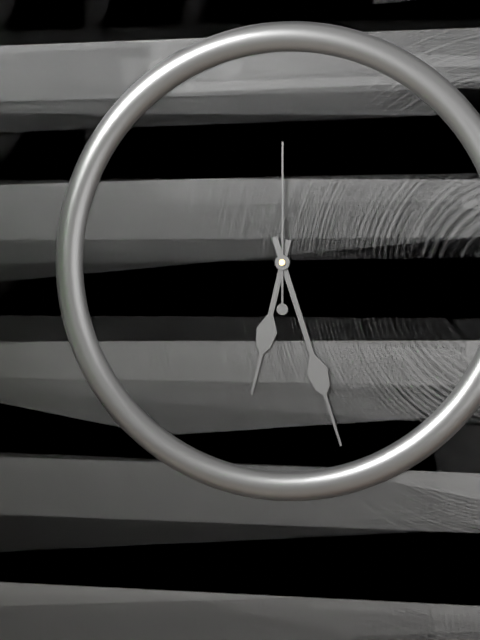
6:27:00
